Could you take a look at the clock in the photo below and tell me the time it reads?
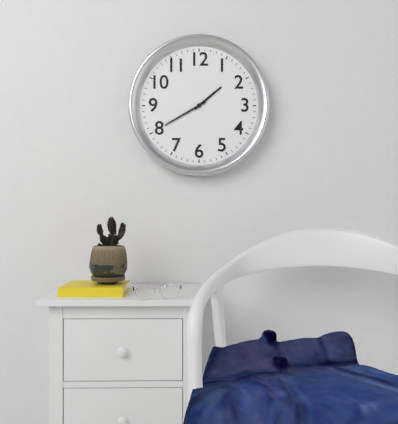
1:40
